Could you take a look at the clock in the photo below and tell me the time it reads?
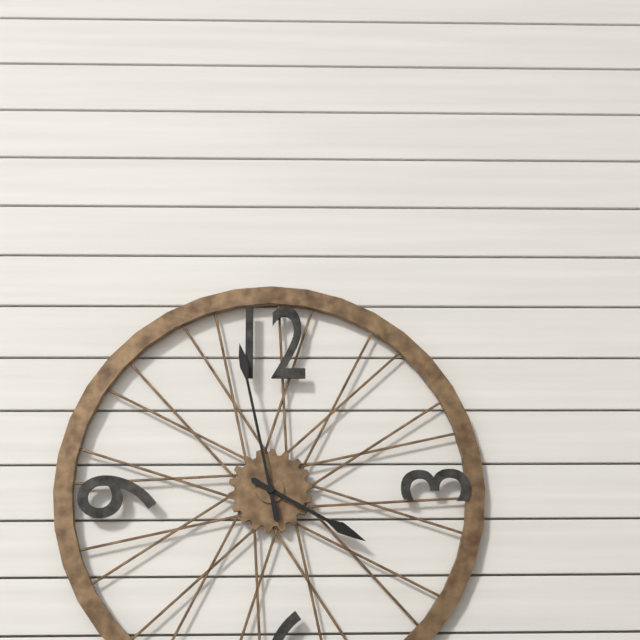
3:58
